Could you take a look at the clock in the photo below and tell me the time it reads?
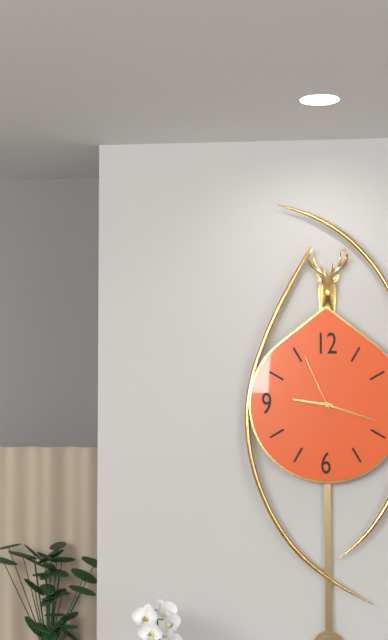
9:18:56
